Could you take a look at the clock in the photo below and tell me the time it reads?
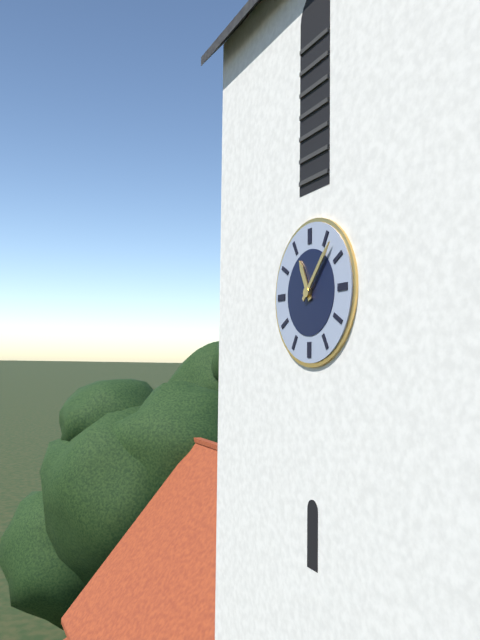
11:07
